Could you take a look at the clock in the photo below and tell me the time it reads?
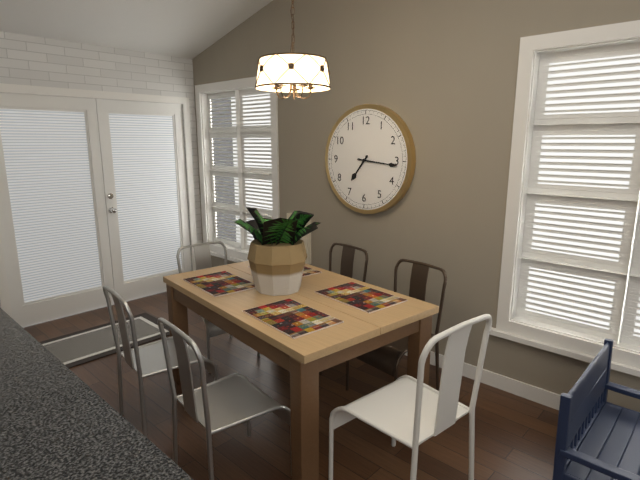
7:16
